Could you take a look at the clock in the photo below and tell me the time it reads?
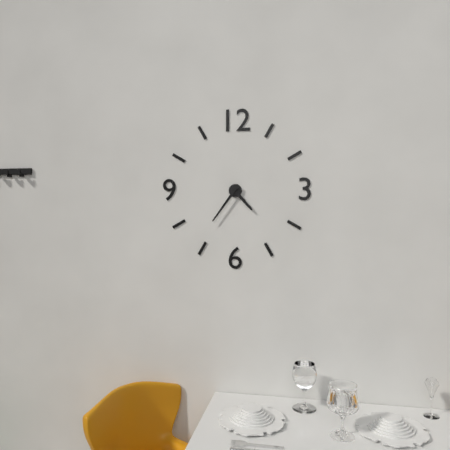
4:36
